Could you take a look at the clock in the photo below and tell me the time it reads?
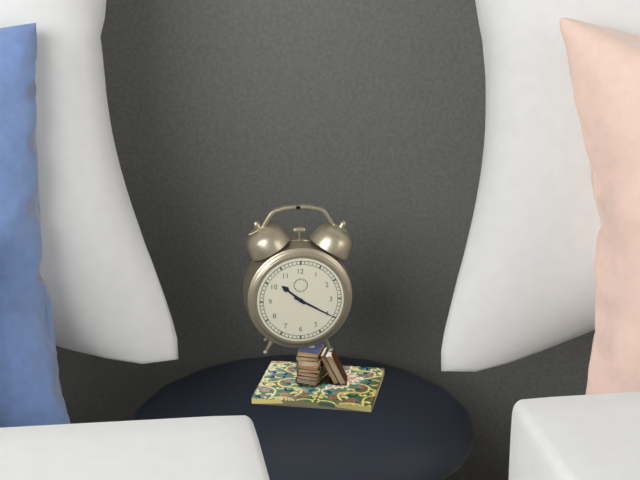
10:20
